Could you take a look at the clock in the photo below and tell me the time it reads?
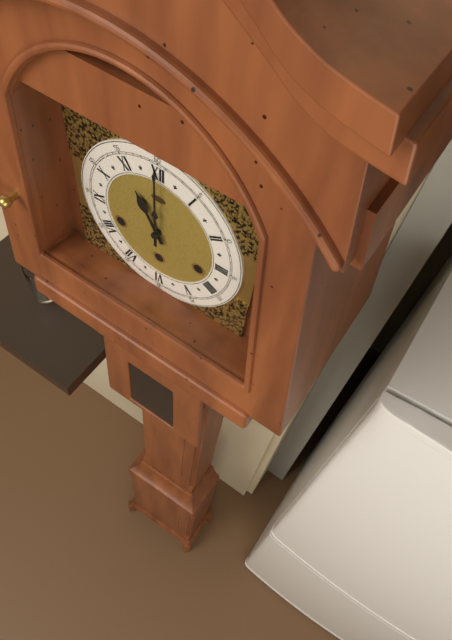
11:00
